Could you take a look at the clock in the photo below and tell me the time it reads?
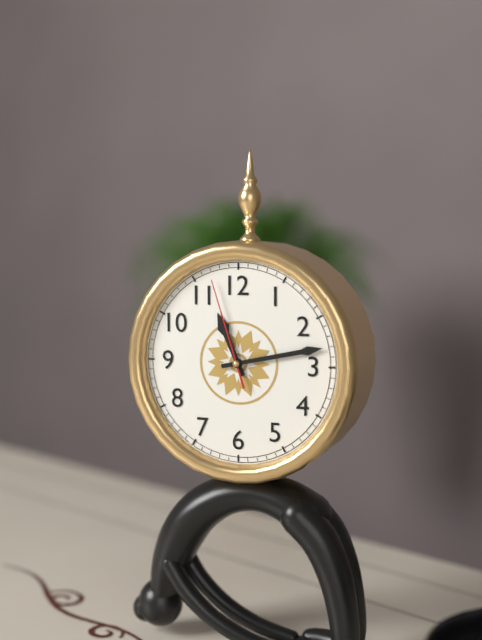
11:13:57
